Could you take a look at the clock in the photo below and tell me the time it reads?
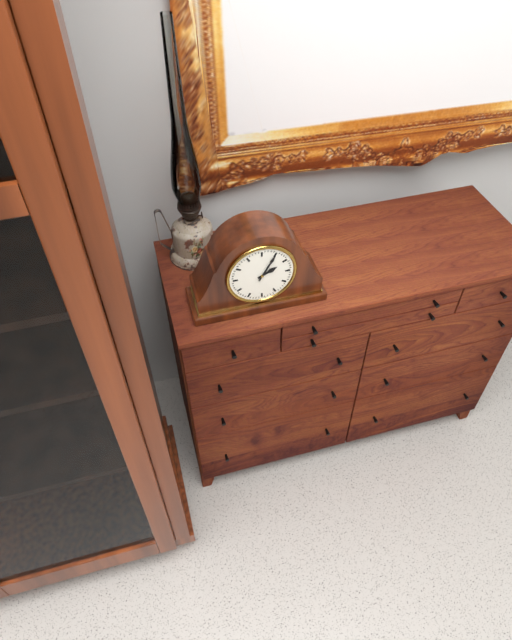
2:05
